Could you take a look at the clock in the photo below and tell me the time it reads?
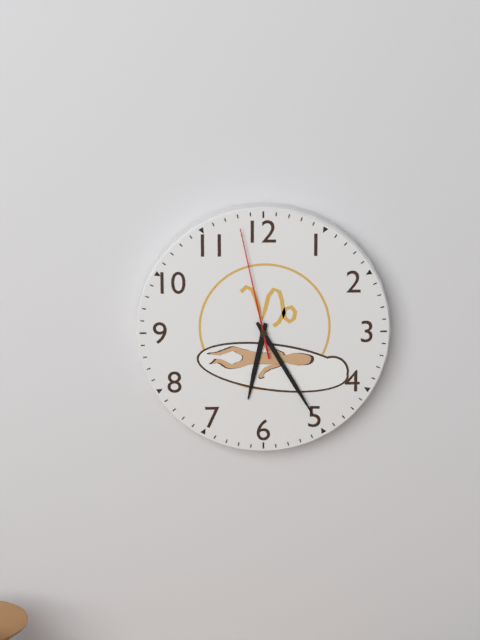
6:25:58
